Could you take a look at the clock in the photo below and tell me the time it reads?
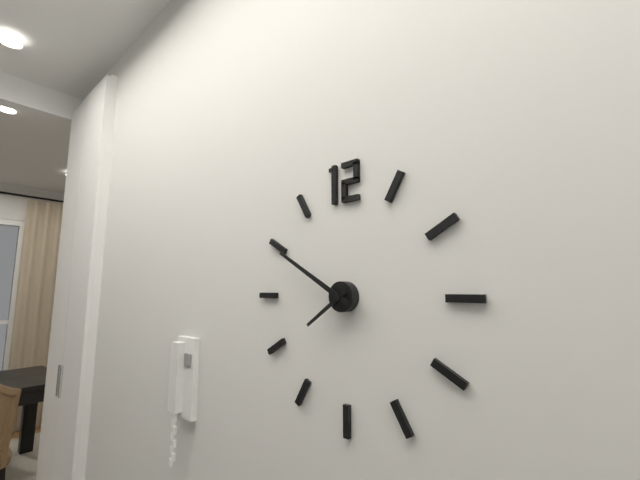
7:50
